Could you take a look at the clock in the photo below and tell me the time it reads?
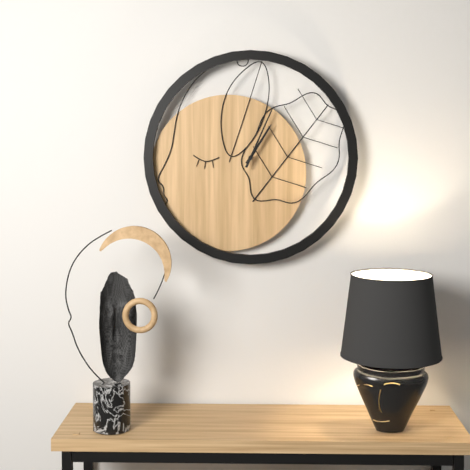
1:04
